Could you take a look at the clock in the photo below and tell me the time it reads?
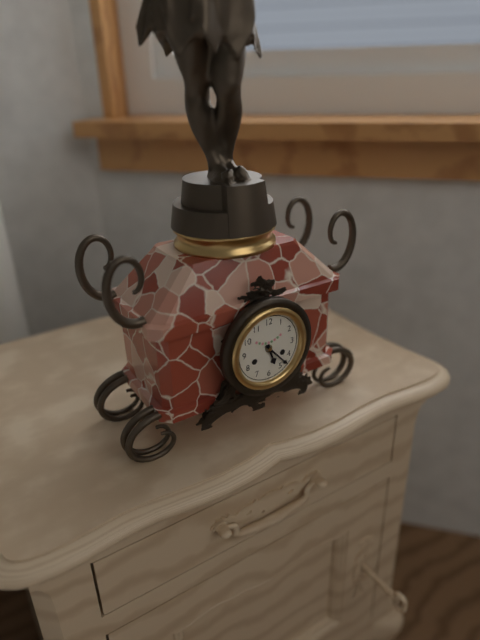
5:23
